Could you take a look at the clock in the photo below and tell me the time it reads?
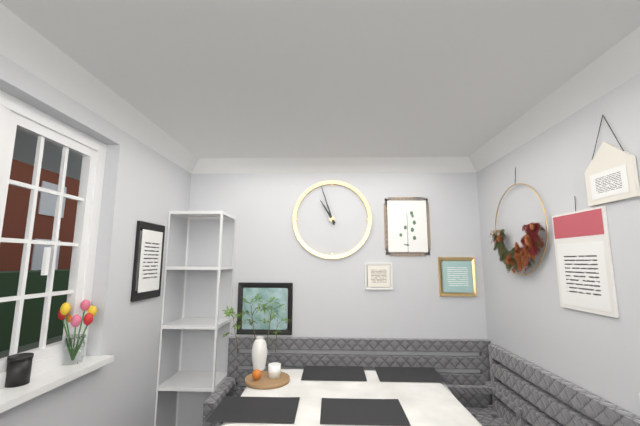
10:57
